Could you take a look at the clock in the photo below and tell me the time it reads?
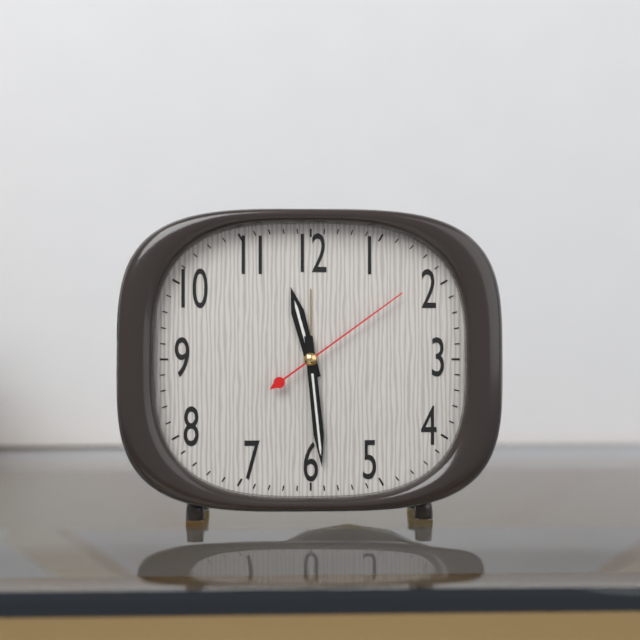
11:29:09
